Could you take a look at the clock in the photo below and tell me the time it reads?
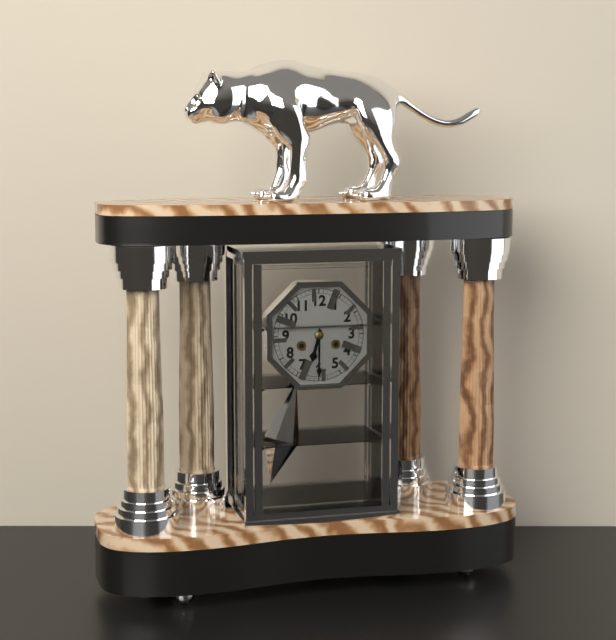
6:30
